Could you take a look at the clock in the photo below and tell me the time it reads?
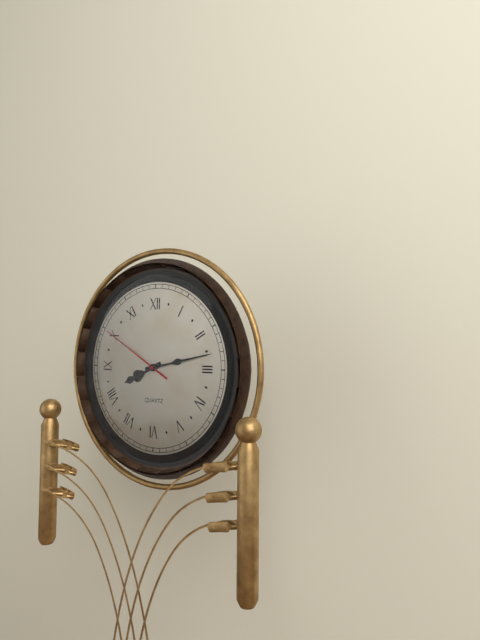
8:13:50
